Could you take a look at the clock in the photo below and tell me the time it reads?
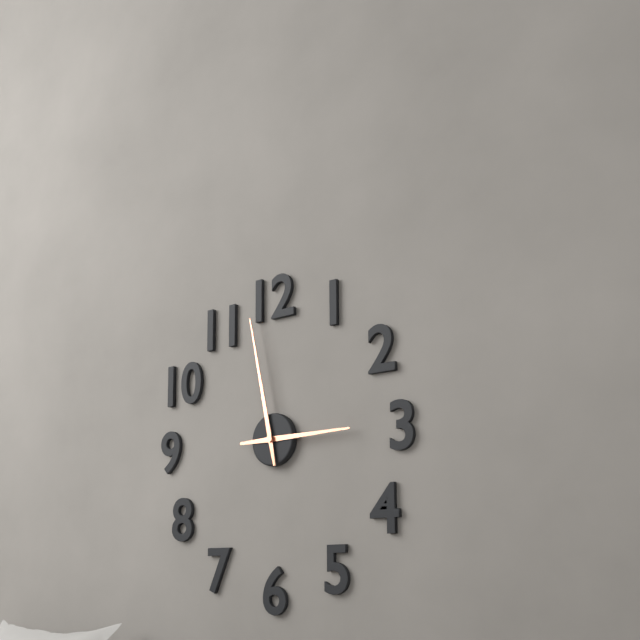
2:58
